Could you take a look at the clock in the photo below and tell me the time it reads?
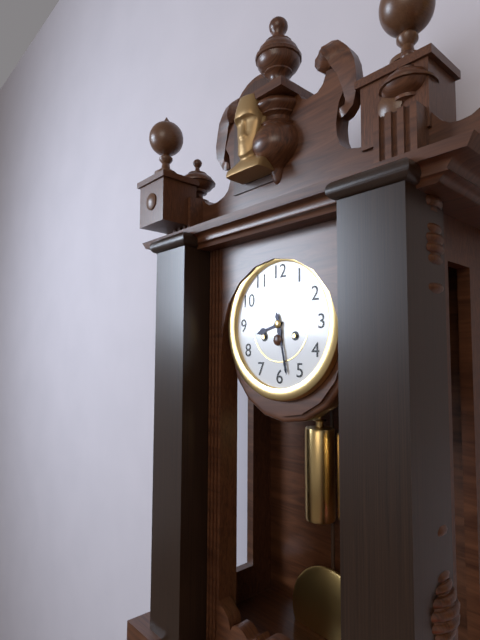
8:28
